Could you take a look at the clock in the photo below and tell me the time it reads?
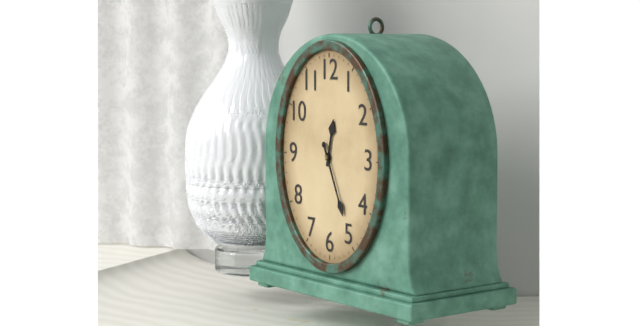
12:26
